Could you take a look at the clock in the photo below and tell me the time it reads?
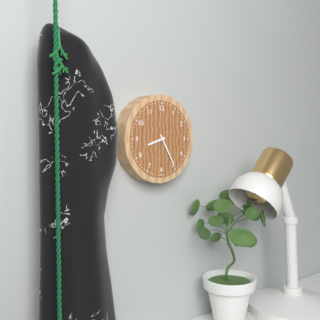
8:25
